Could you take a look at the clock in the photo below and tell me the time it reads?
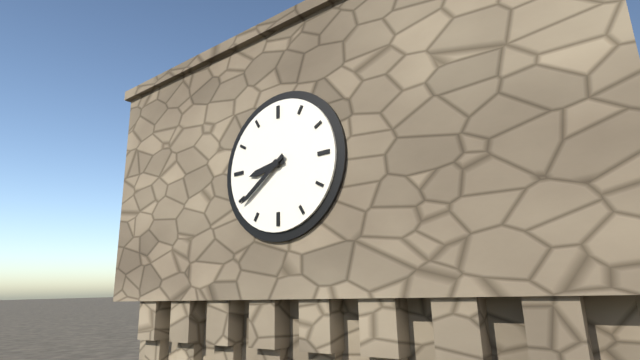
8:39
